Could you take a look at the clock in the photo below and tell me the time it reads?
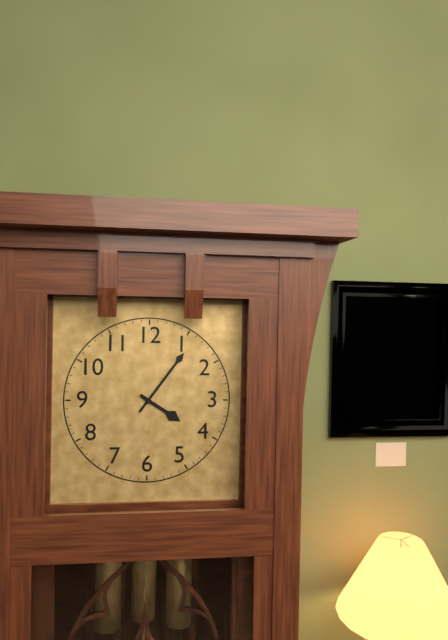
4:06
